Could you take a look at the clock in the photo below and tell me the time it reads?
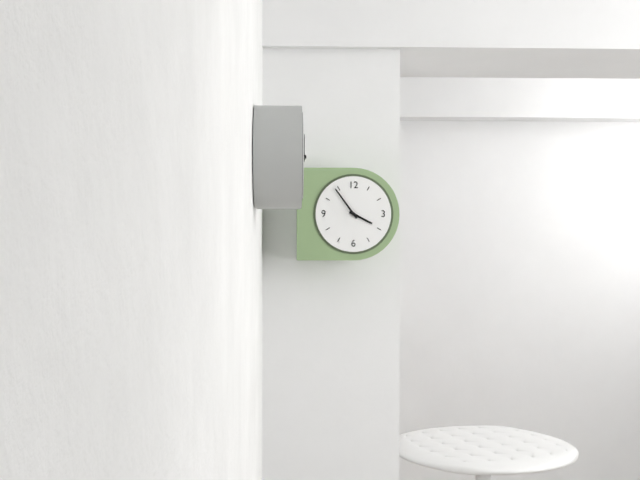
3:54
